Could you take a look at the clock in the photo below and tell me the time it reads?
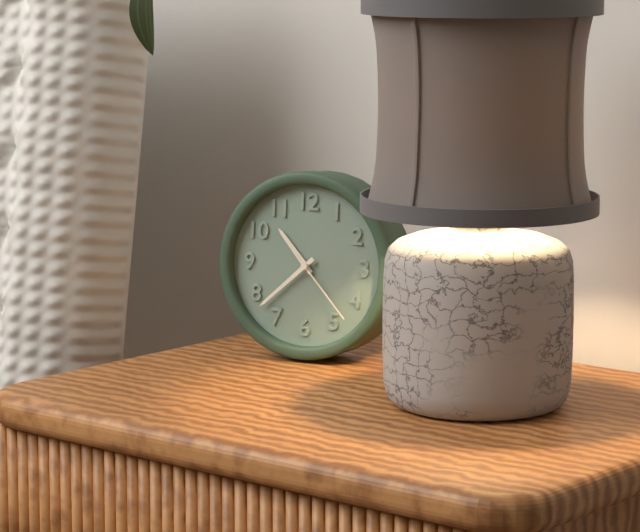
10:38:23
